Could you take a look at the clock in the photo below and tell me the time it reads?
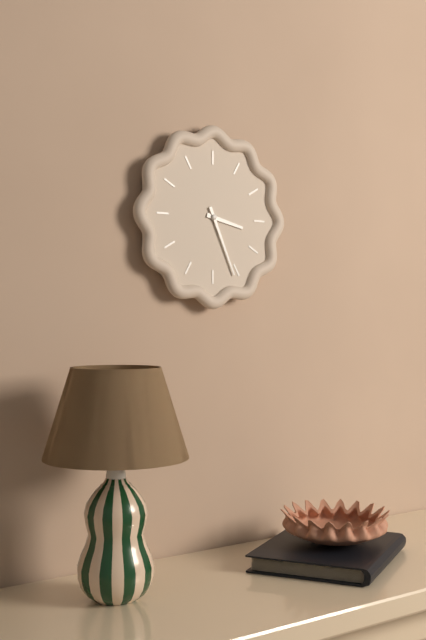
3:26
